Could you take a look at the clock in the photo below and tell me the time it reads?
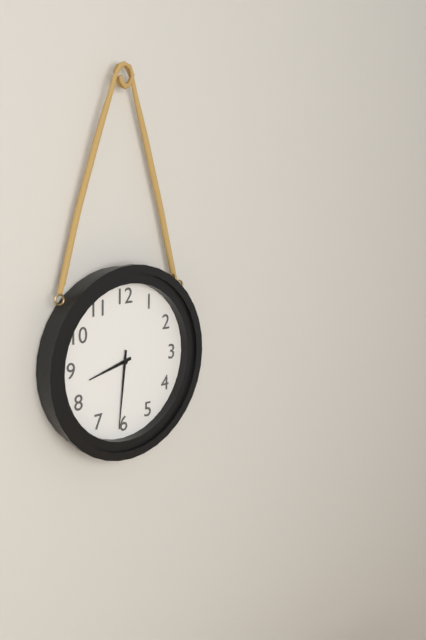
8:31
